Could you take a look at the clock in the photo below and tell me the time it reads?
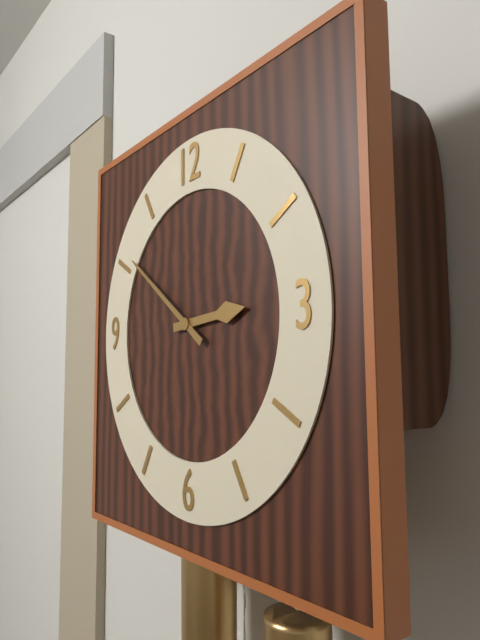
2:51
